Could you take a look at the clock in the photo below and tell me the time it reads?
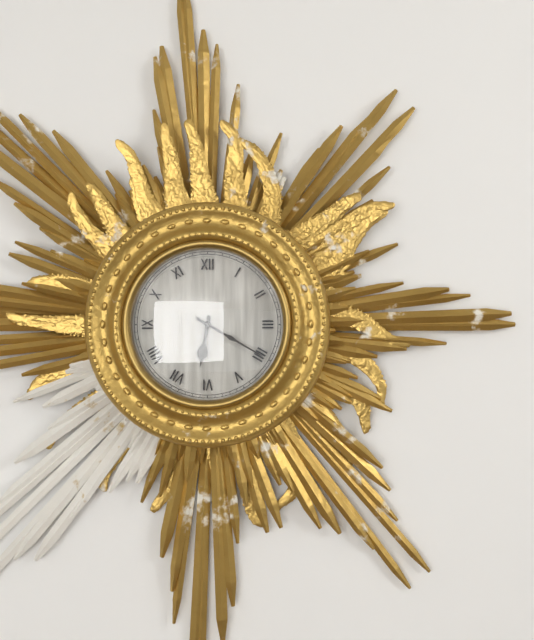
6:20
